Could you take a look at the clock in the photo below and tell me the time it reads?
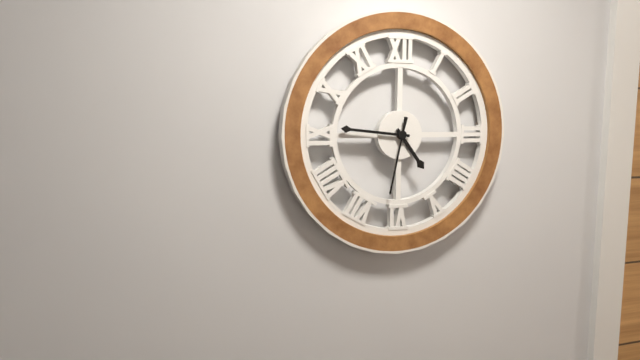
4:46:32
